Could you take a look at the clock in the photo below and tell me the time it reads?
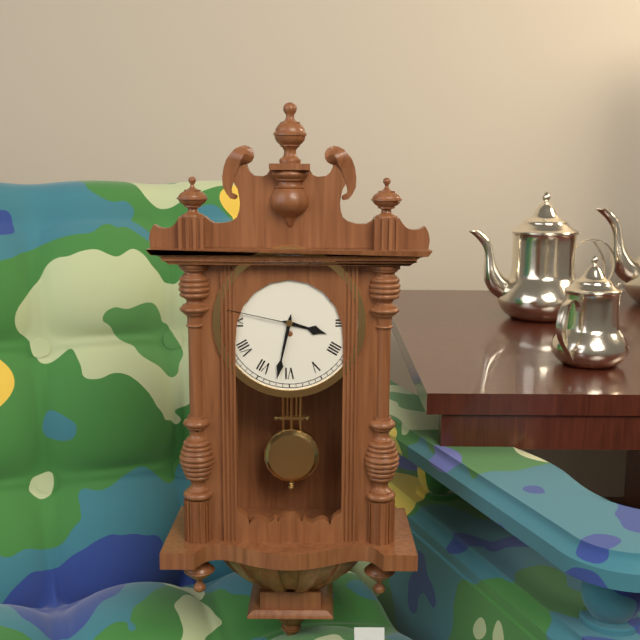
3:32:47
